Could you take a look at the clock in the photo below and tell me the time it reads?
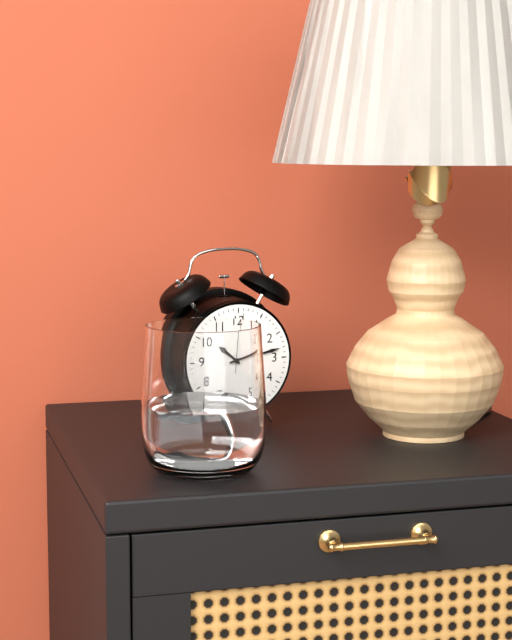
10:13:01
